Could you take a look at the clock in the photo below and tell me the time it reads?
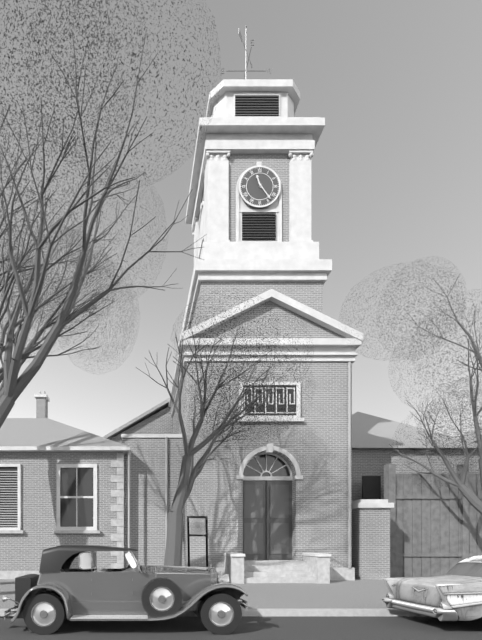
11:24
